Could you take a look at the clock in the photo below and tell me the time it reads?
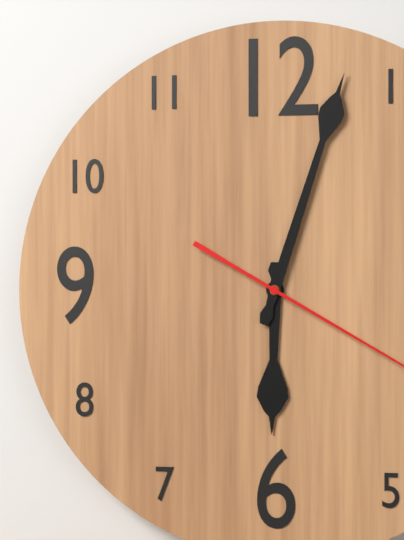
6:03
